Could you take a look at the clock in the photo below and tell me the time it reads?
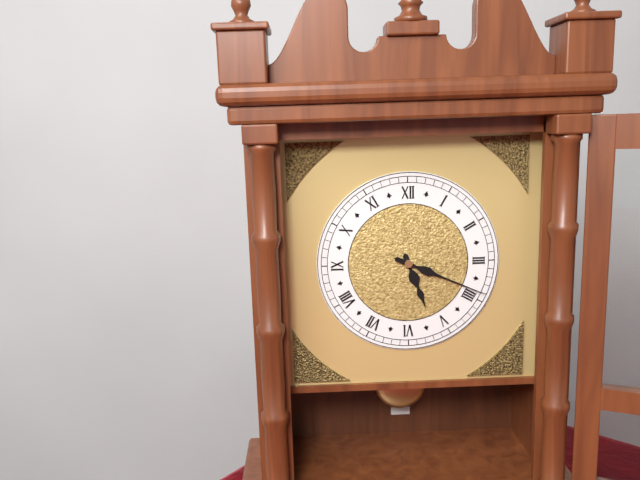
5:19
